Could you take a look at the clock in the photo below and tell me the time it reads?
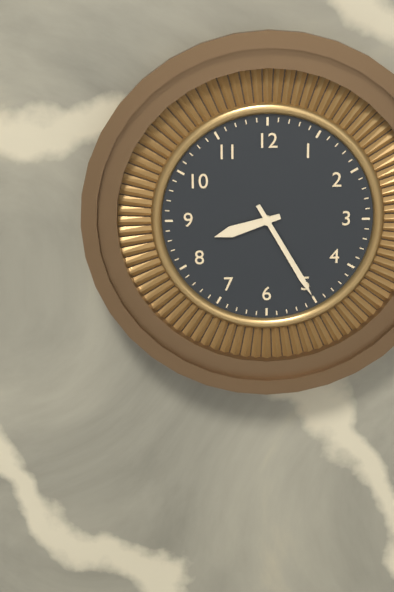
8:25
